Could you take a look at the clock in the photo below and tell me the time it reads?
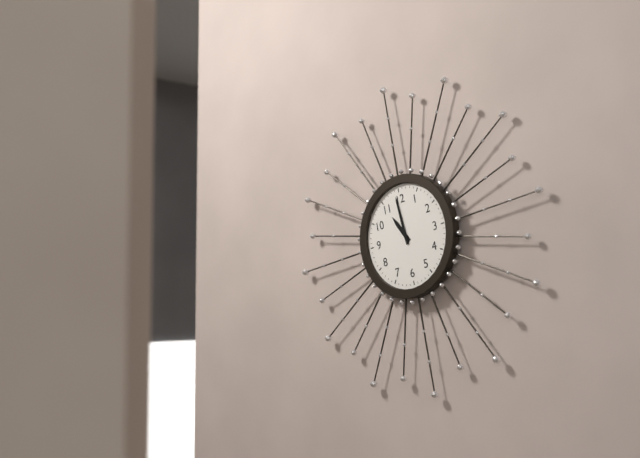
10:59
